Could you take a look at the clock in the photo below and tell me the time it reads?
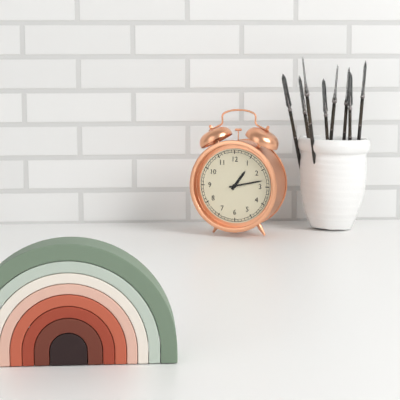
1:13
